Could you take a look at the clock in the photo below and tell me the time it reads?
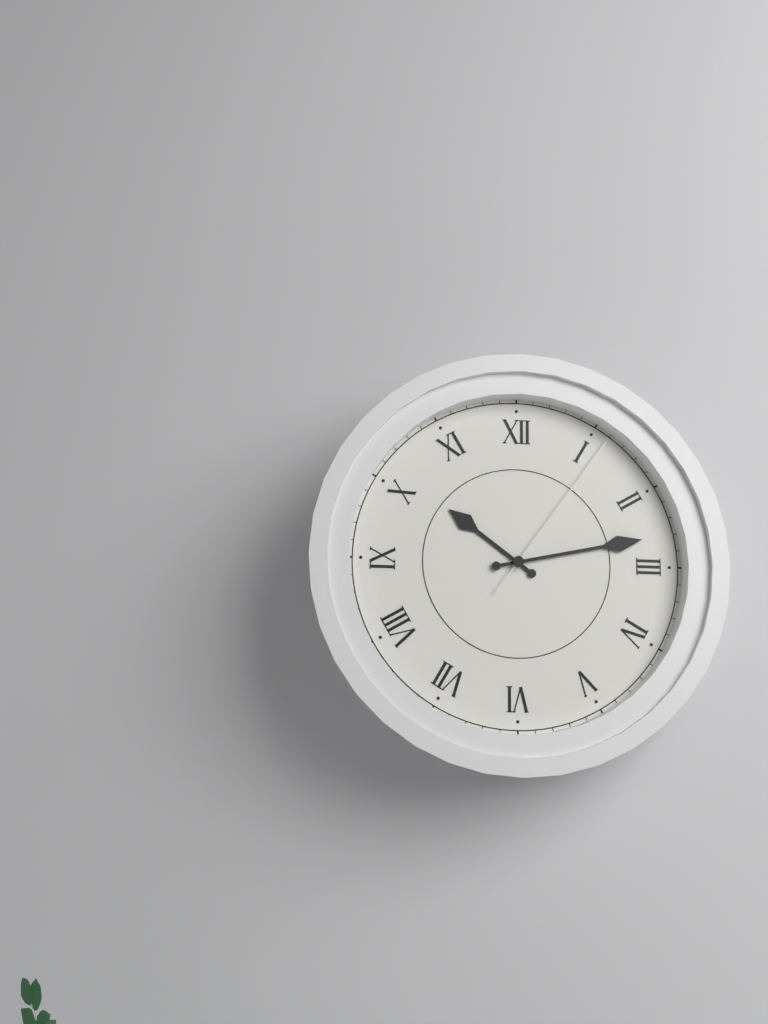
10:13:06
